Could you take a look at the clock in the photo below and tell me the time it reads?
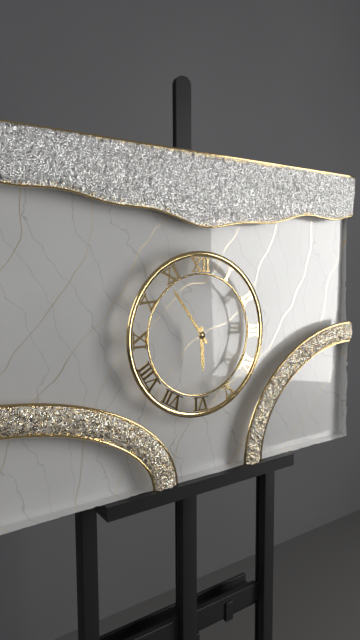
5:54
